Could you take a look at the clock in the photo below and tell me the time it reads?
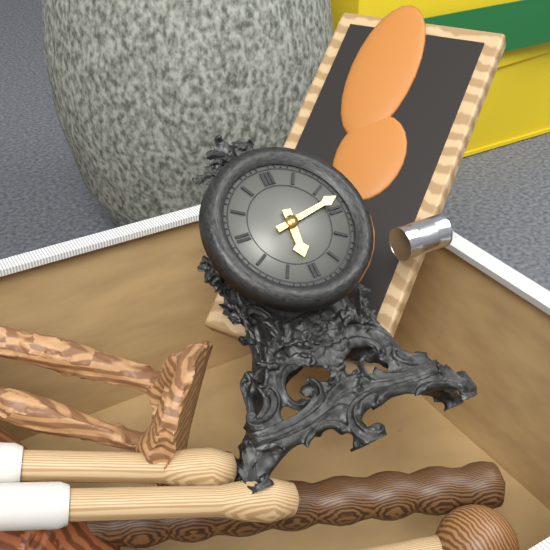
6:13
